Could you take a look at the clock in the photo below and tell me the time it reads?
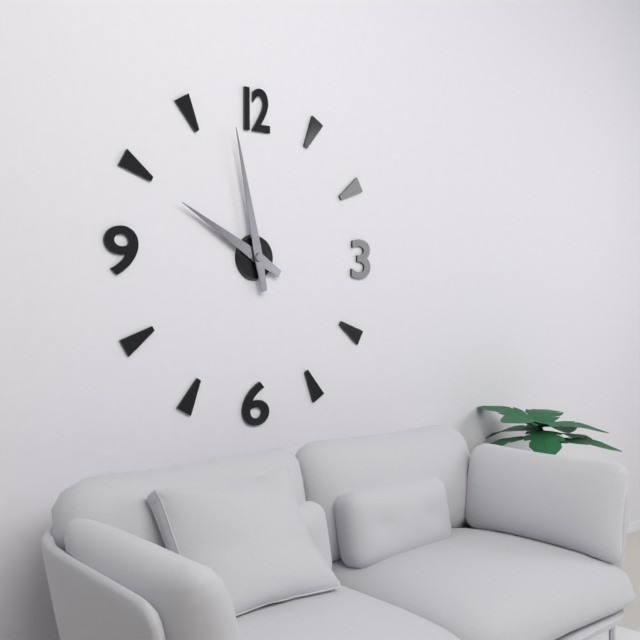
9:58
